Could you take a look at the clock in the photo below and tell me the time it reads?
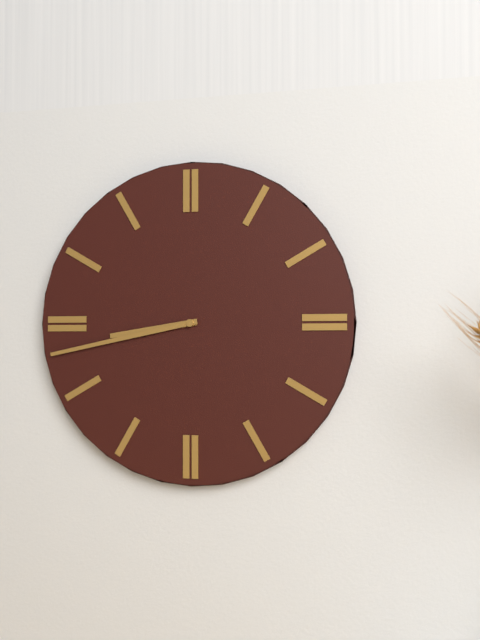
8:43
